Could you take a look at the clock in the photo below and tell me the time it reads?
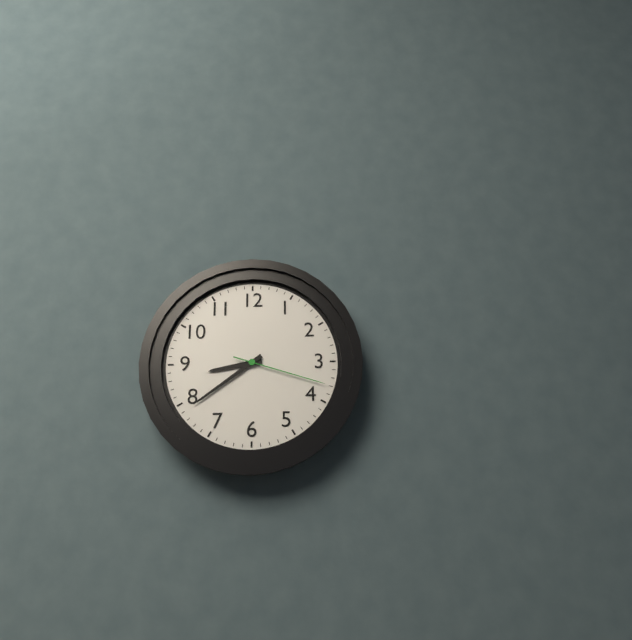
8:39:18
